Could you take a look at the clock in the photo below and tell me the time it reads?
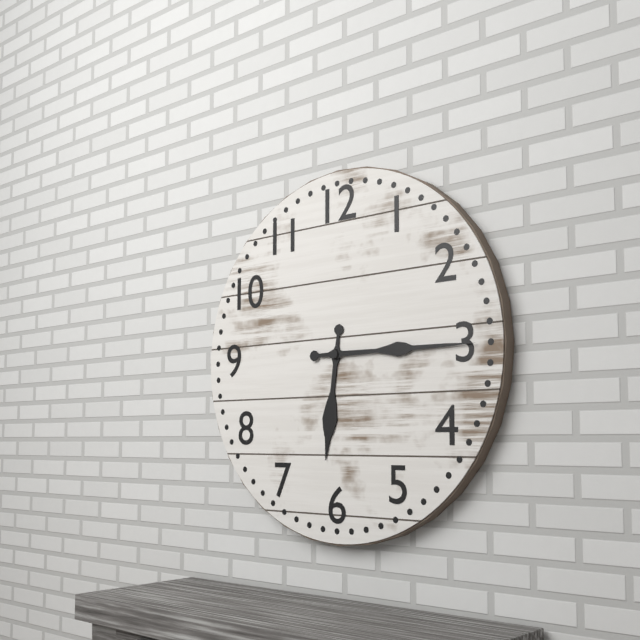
6:15
